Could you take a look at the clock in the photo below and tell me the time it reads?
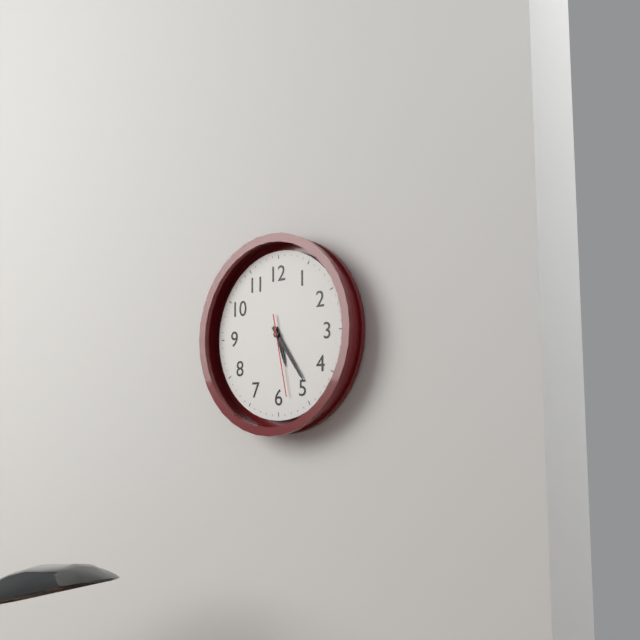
5:24:28
